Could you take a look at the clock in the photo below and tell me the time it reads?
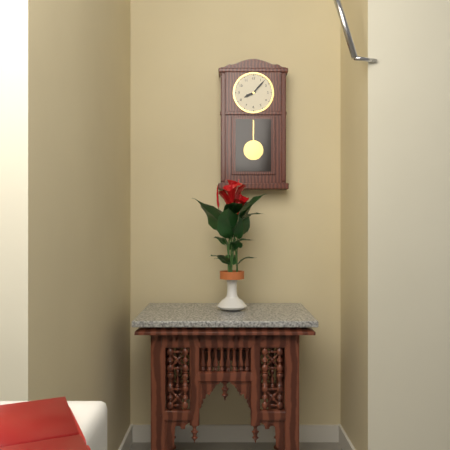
8:07
